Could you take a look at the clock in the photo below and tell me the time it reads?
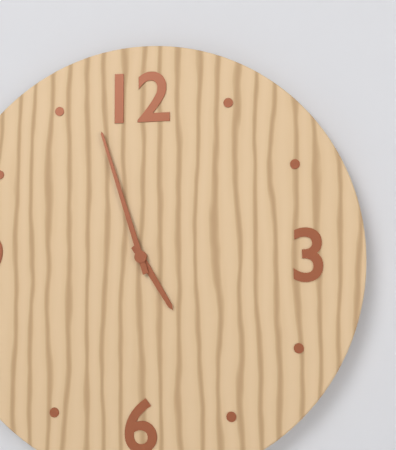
4:57
